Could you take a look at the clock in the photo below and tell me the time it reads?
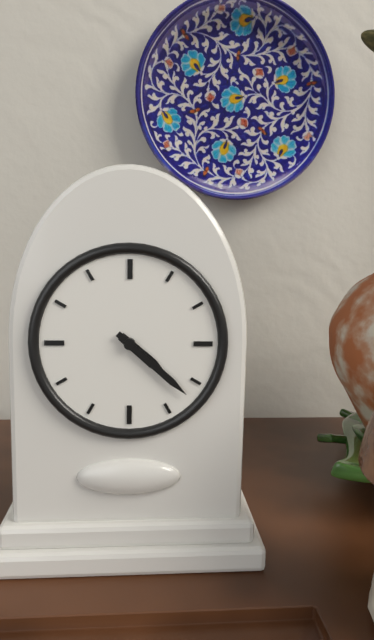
4:22
